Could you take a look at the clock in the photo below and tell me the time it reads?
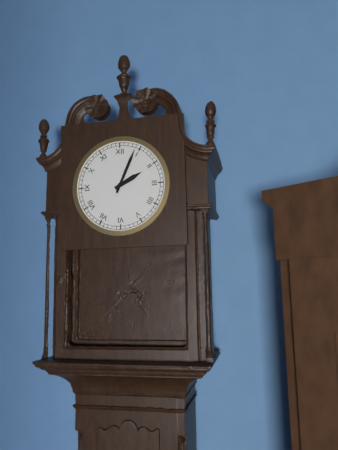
2:04
